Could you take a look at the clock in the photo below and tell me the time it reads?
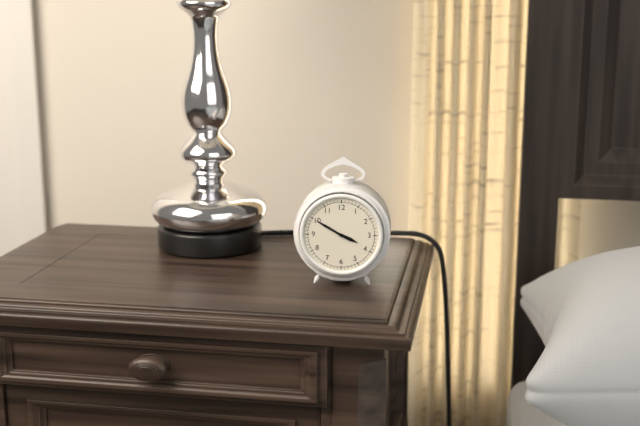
3:50
